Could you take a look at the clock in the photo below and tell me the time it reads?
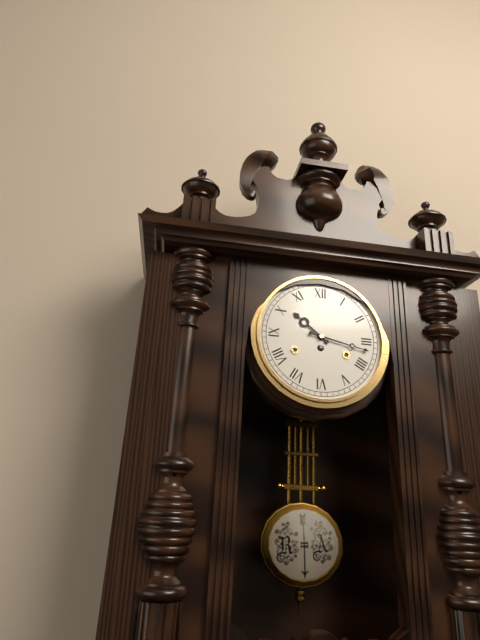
10:17
